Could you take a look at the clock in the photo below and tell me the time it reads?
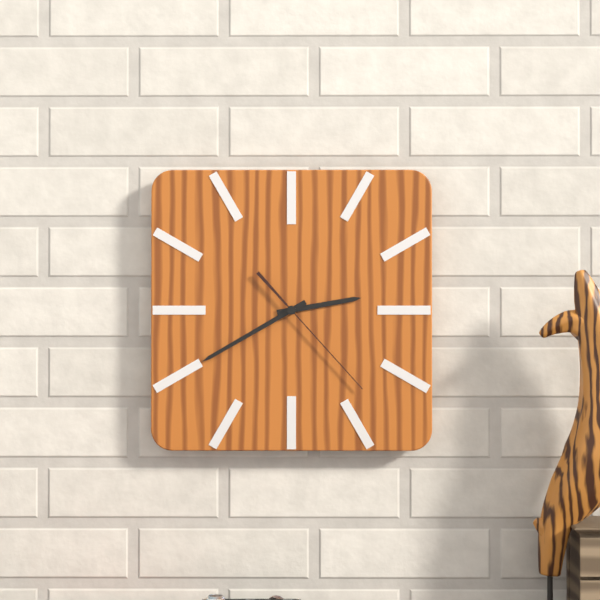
2:40:23
